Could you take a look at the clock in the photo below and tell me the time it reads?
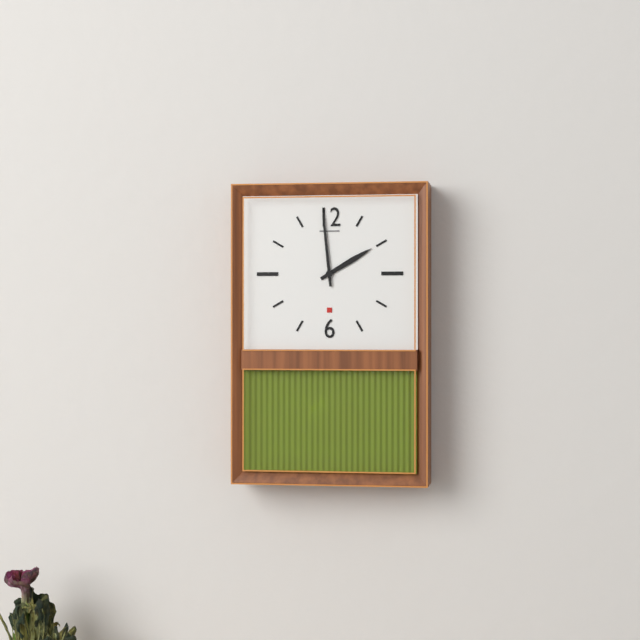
1:59
